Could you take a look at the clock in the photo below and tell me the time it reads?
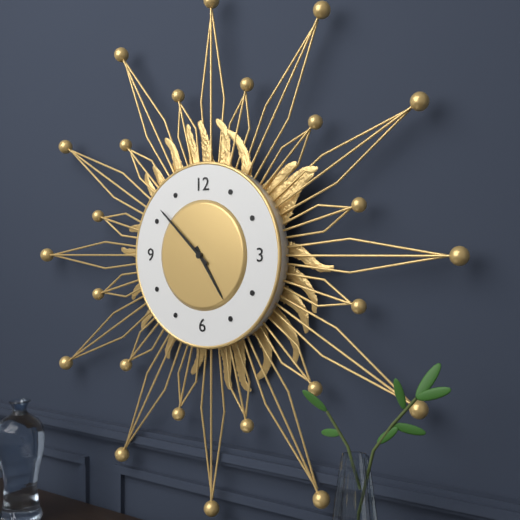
4:52
